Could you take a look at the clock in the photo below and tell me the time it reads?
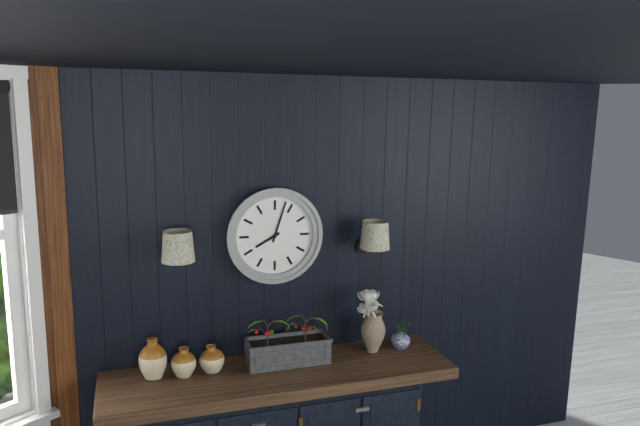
8:03
